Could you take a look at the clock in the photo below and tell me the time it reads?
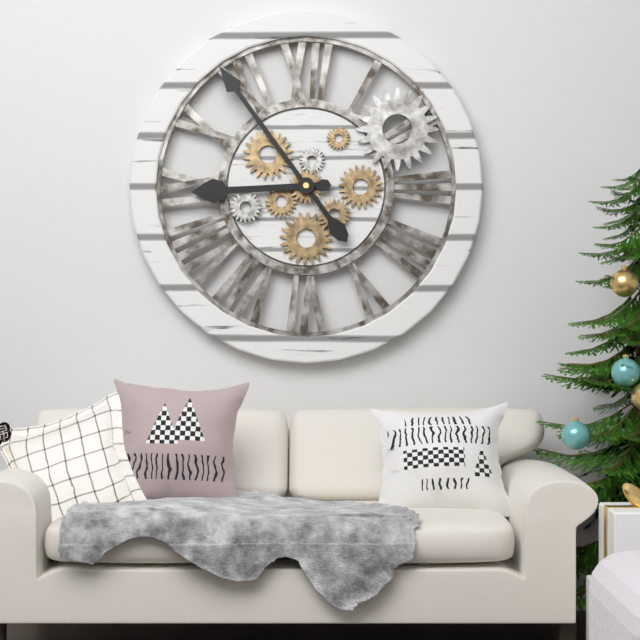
8:54
